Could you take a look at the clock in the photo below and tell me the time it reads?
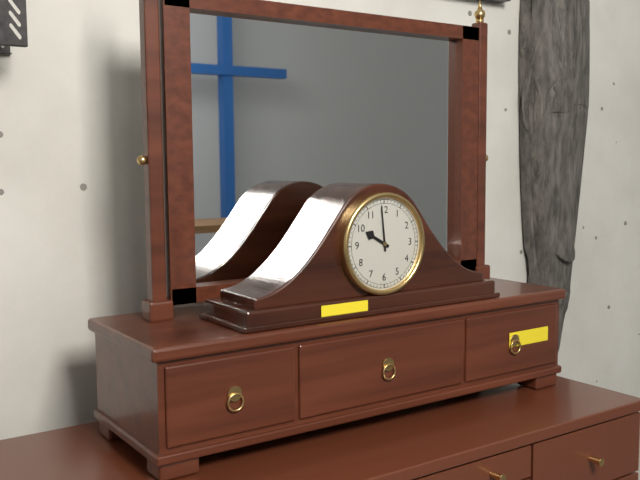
9:59
